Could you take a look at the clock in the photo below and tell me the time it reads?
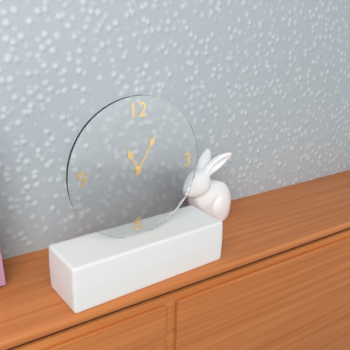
11:05
